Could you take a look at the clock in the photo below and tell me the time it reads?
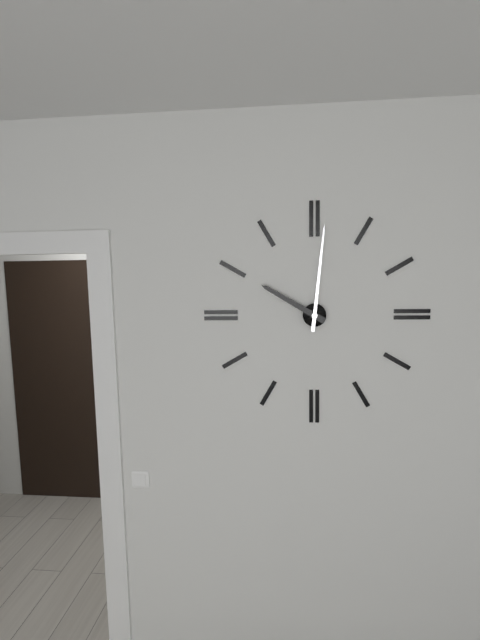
10:01
